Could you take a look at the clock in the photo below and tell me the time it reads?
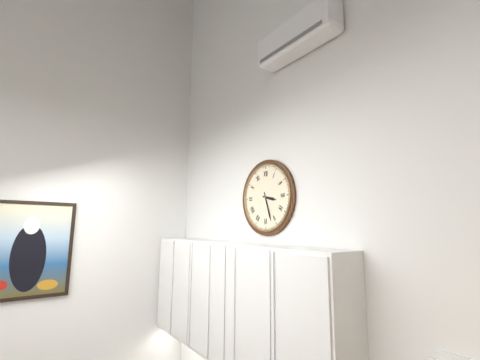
3:27
